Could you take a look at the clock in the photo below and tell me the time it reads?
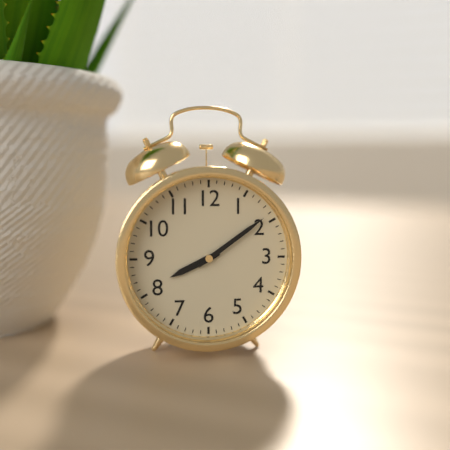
8:09
